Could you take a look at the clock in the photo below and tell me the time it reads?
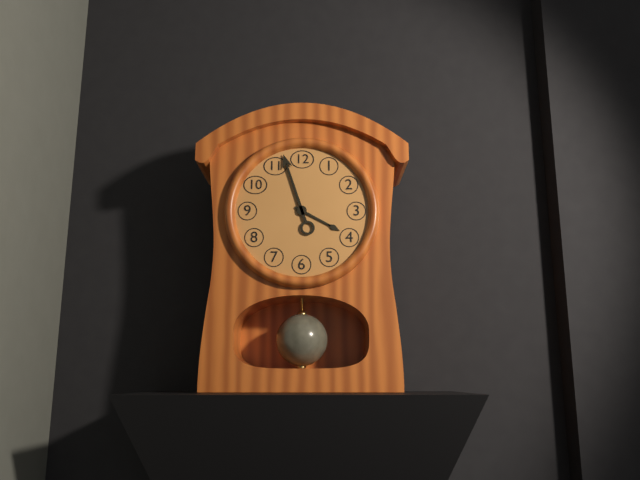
3:57
